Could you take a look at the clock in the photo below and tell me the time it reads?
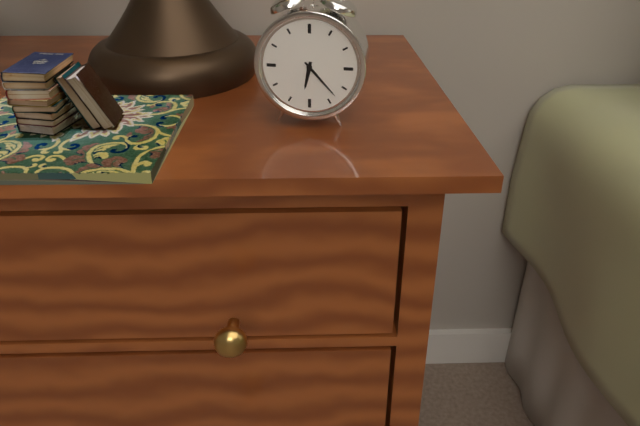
6:23
